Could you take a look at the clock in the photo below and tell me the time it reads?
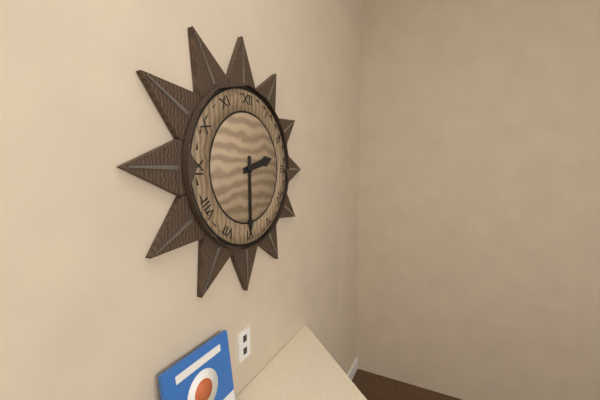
2:30
